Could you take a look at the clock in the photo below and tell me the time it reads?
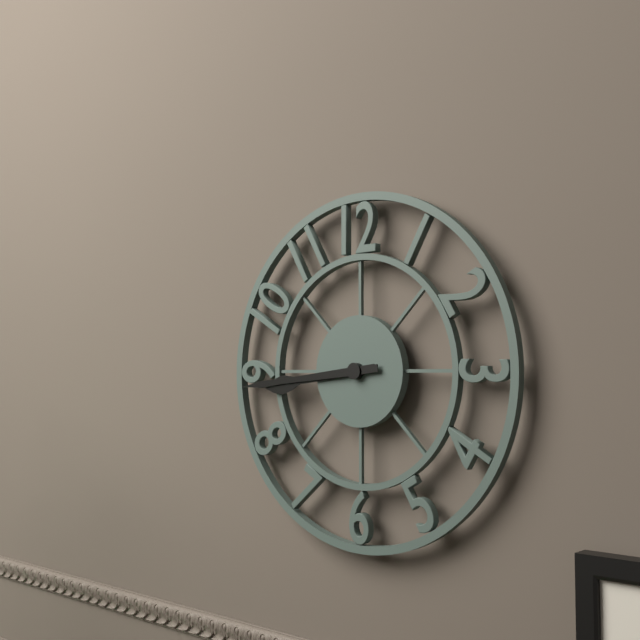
8:44
